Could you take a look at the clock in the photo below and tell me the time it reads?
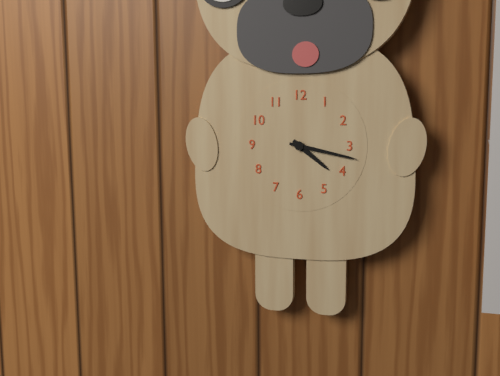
4:17
